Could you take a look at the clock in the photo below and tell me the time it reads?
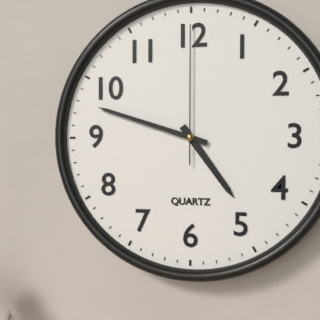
4:48:00
